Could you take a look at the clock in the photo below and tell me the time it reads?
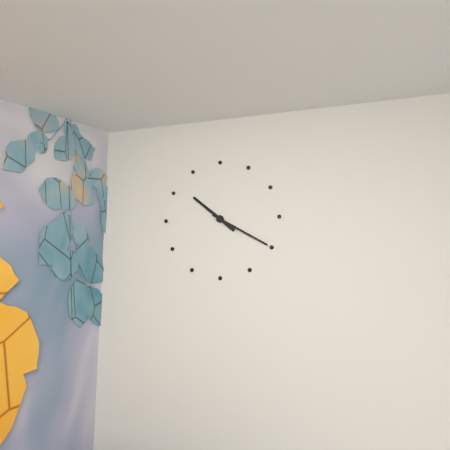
10:20
